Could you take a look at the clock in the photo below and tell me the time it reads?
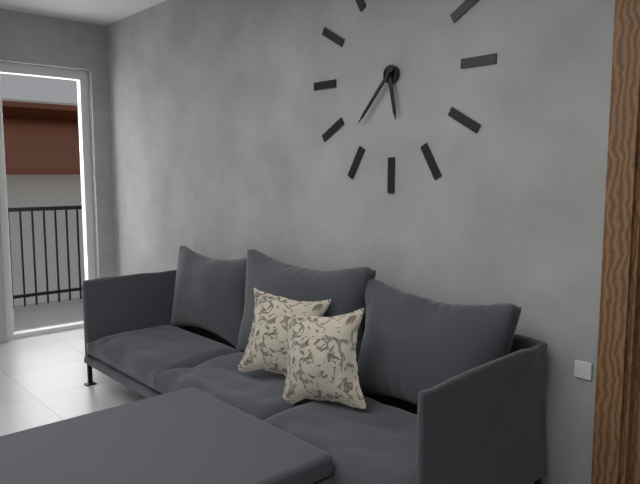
5:37
